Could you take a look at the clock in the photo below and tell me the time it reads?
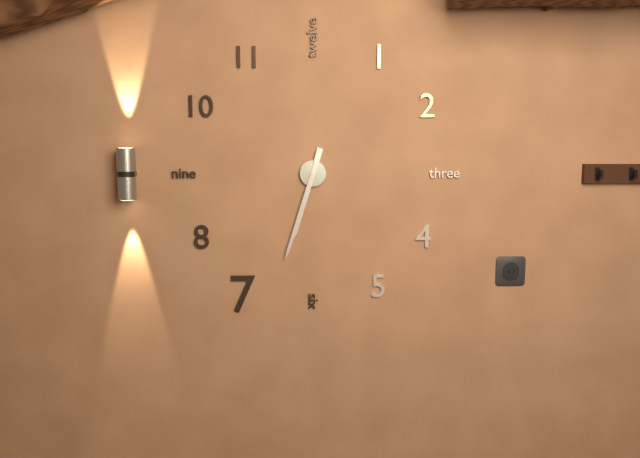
6:33
